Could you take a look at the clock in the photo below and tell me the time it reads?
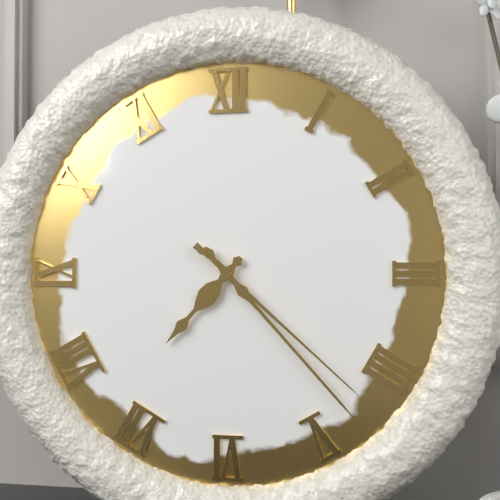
7:23:22
